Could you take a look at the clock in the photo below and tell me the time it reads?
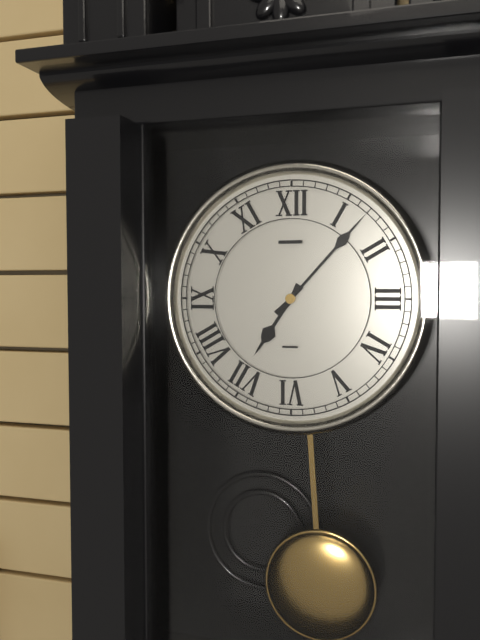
7:07
